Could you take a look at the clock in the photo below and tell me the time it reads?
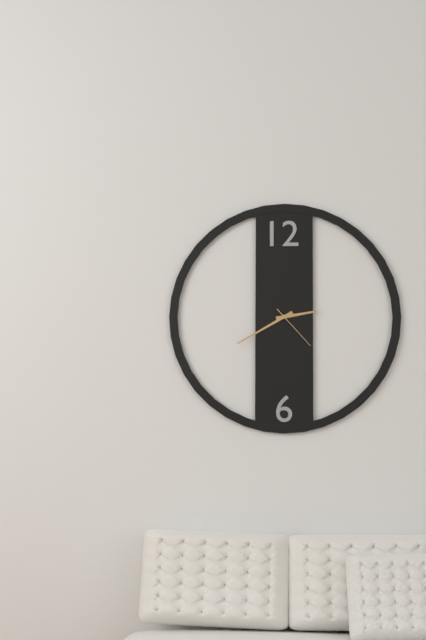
2:40
